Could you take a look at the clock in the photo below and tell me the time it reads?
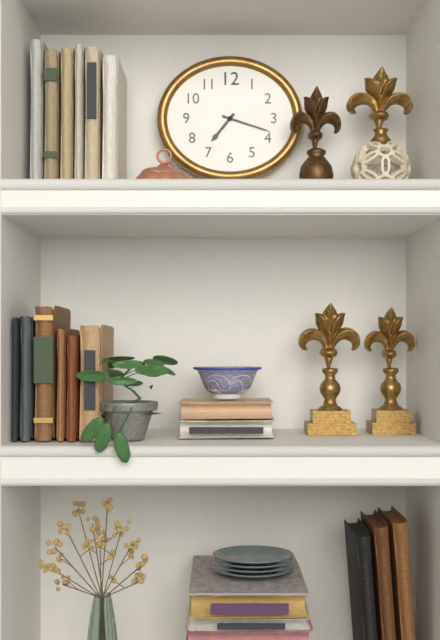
7:18
